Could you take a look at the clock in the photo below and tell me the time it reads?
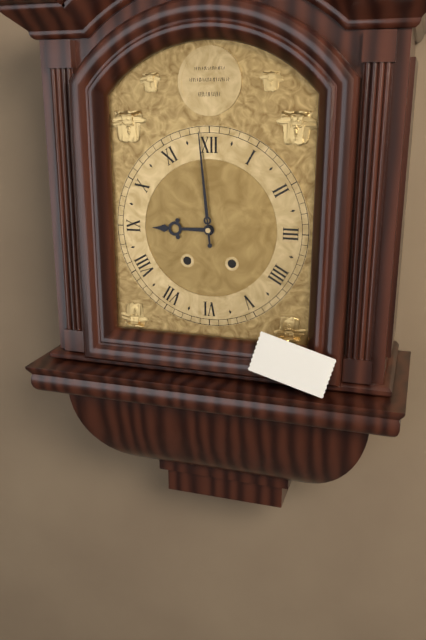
8:59
